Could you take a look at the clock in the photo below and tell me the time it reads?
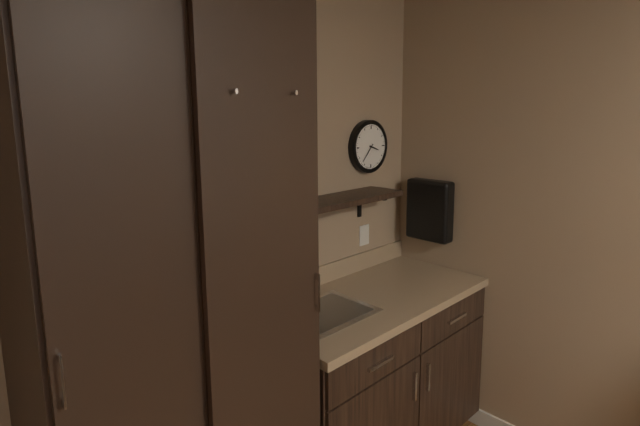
3:37
